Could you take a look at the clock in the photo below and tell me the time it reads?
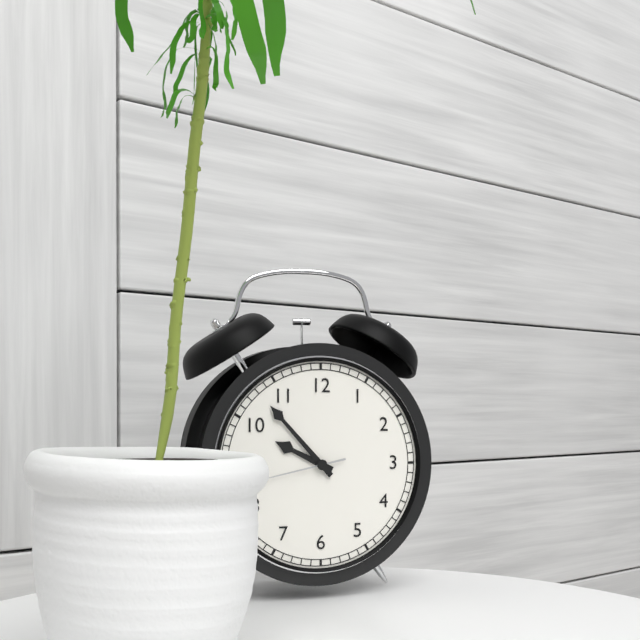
9:53
